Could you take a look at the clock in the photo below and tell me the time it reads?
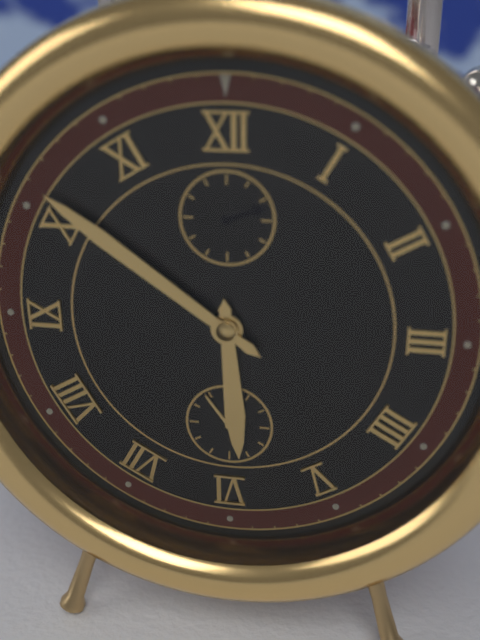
5:51:54
